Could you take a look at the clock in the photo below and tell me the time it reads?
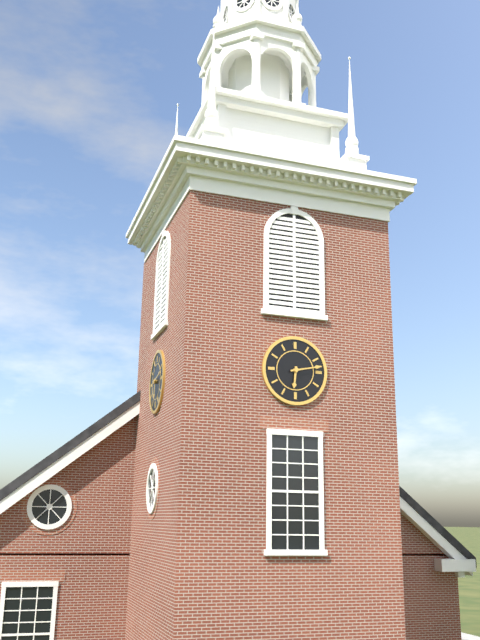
6:13
